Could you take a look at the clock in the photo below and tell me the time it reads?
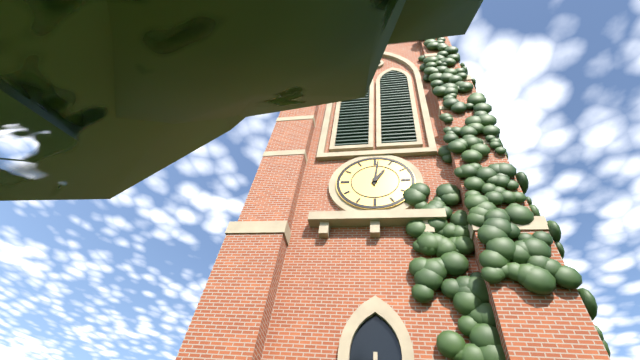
1:01
